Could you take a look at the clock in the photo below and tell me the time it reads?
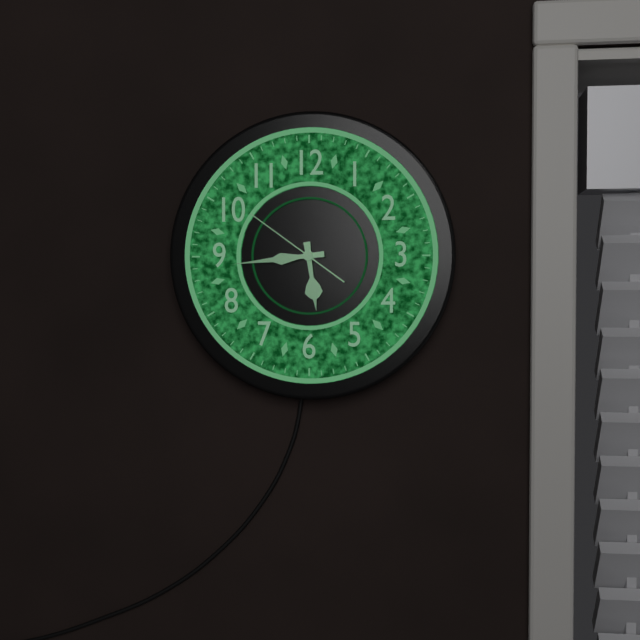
5:44:51
